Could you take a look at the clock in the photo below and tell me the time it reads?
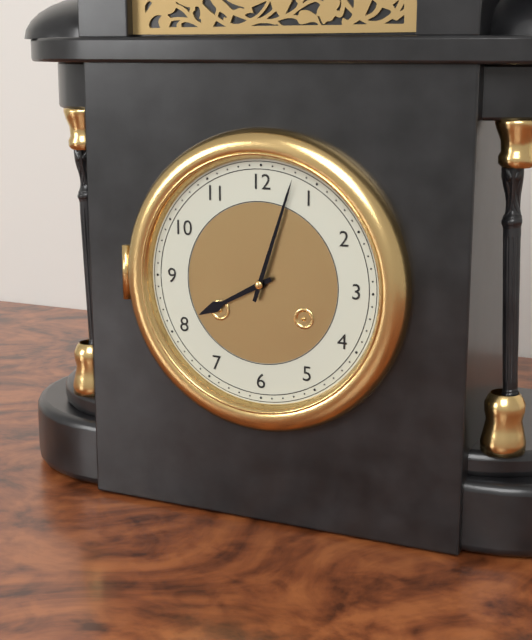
8:03
